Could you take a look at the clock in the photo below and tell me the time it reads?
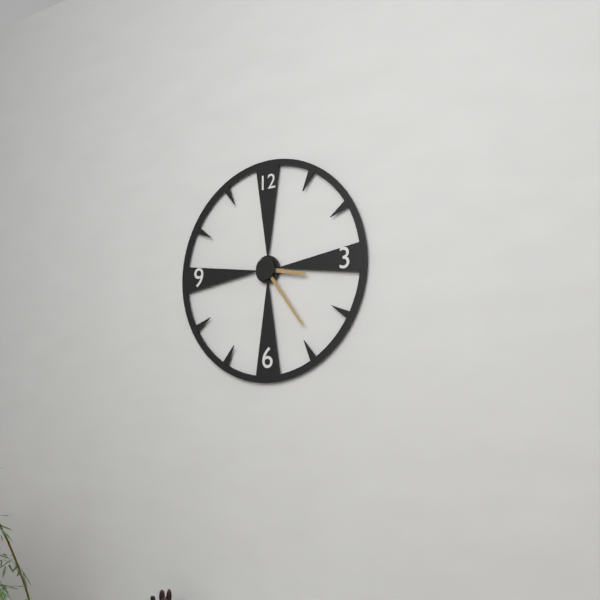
3:24
